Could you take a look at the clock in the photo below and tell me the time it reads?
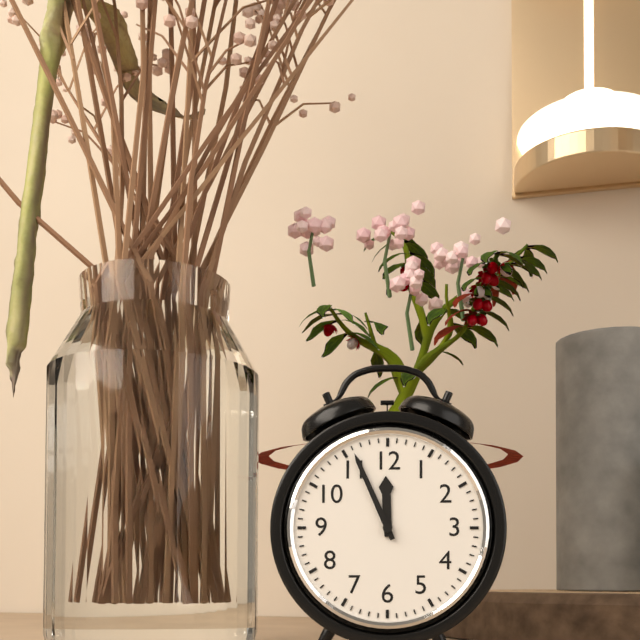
11:56
